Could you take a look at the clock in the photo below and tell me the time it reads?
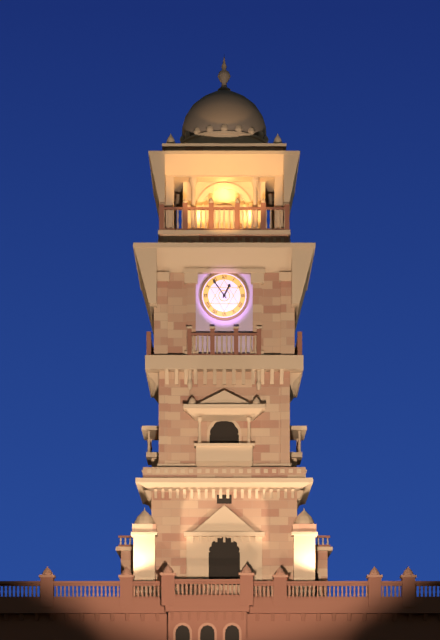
12:54
